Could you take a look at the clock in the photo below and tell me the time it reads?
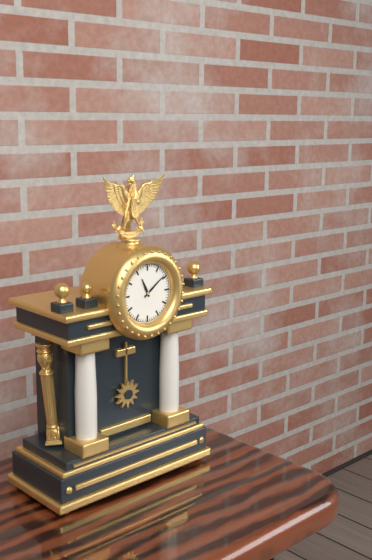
11:09
